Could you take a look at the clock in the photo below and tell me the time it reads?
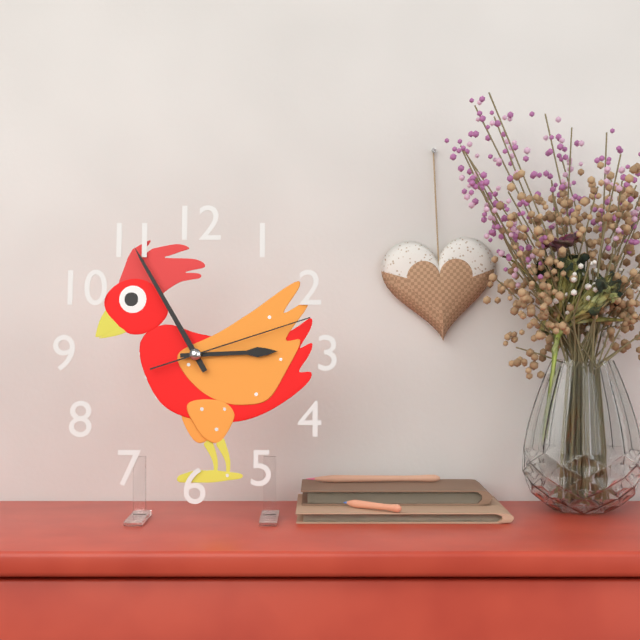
2:55:12
